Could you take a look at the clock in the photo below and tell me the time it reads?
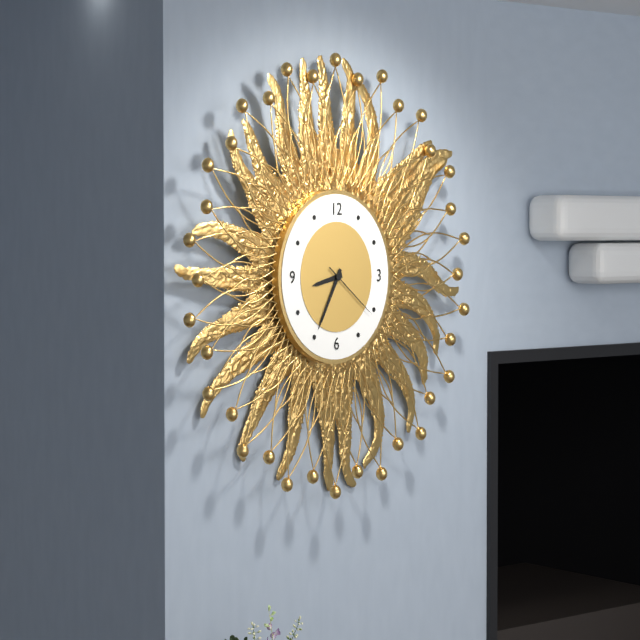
8:35:21
